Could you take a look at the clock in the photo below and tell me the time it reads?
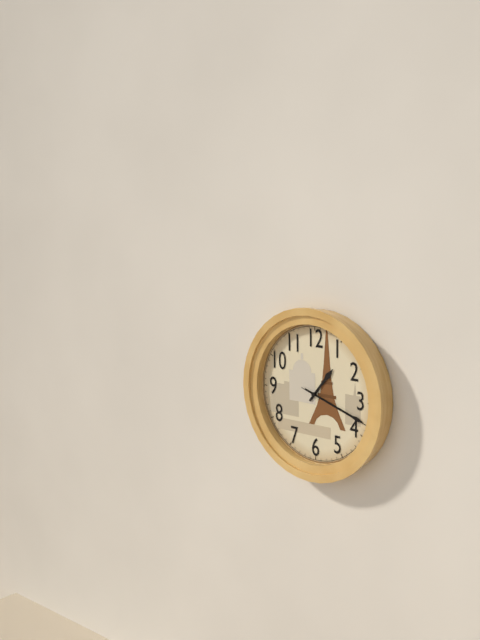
1:18:18
